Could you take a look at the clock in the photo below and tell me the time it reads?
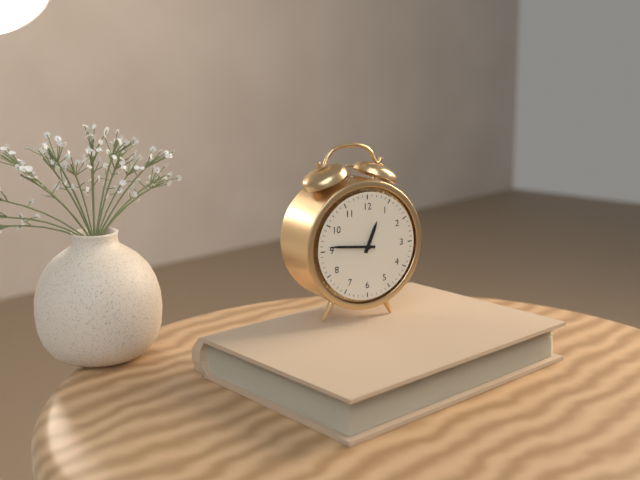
12:46
